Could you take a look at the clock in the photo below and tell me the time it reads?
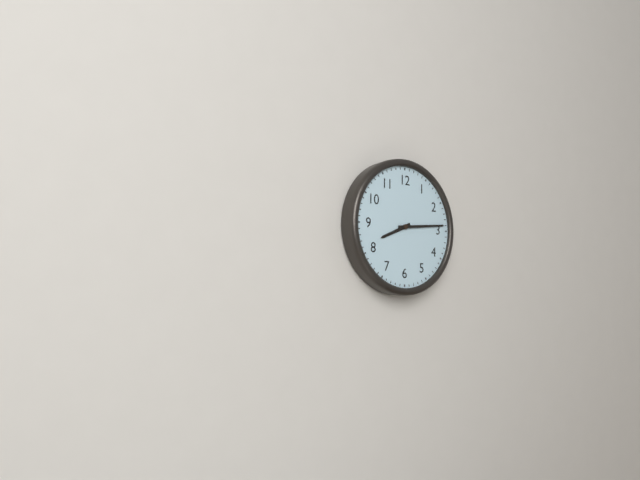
8:14
